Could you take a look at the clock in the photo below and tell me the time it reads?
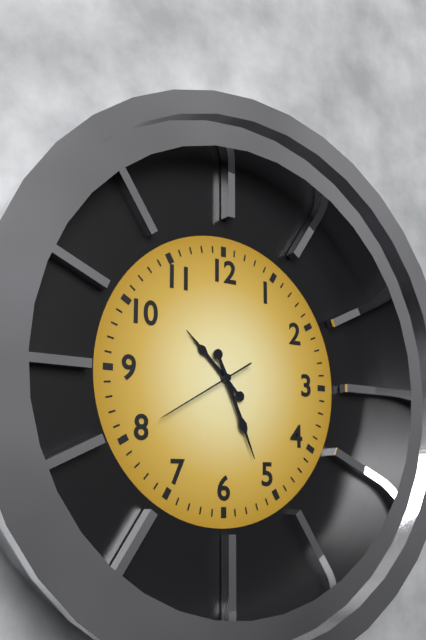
10:26:40
